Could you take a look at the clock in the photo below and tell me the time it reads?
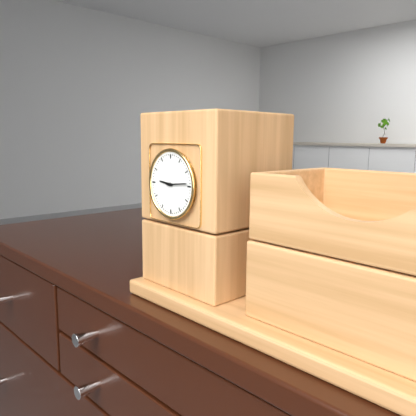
9:14
